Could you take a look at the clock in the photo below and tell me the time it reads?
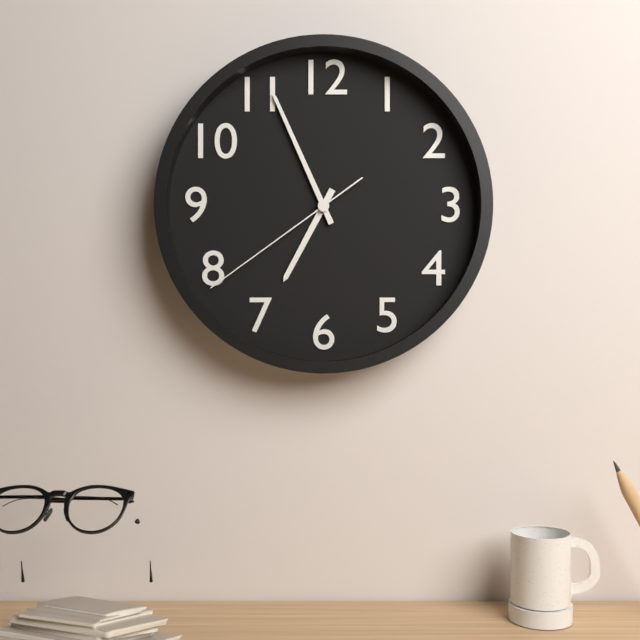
6:56:39
